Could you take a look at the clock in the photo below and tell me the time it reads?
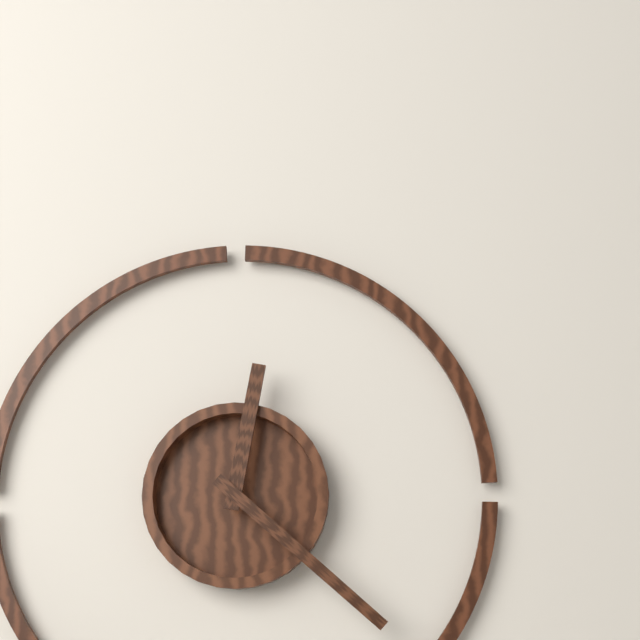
12:22
